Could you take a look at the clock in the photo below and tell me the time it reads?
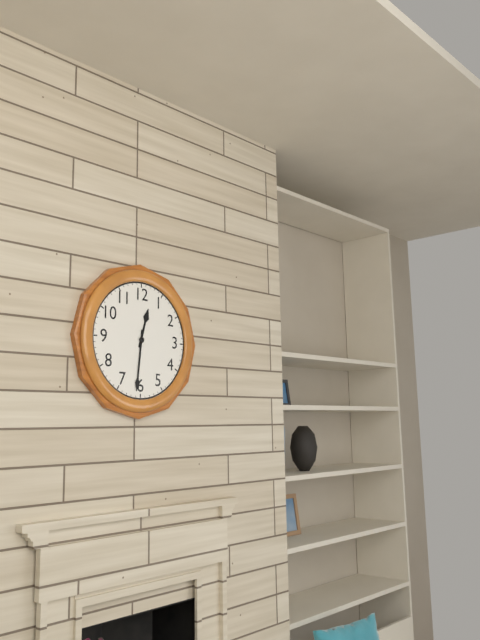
12:31
